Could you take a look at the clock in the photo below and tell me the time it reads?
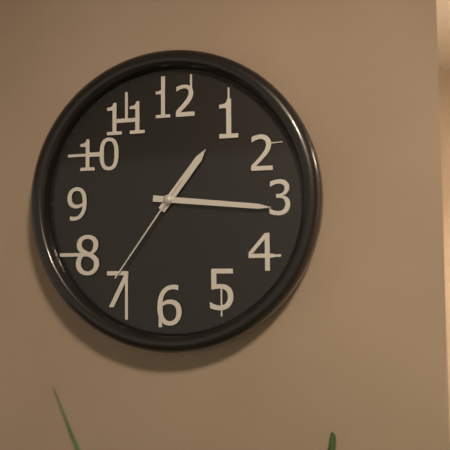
1:16:36
